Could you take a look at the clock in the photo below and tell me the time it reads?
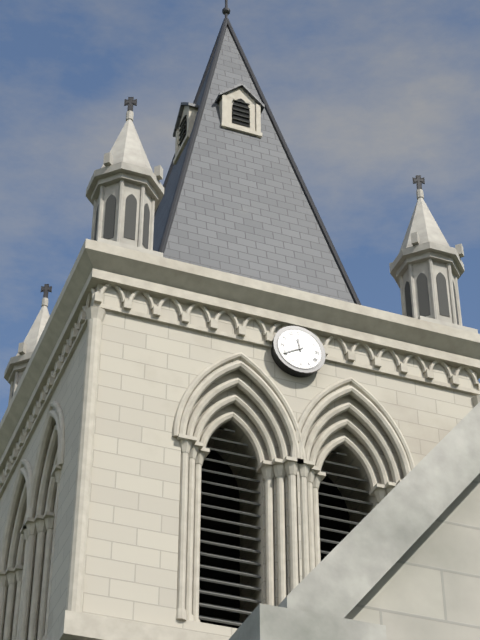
11:40
